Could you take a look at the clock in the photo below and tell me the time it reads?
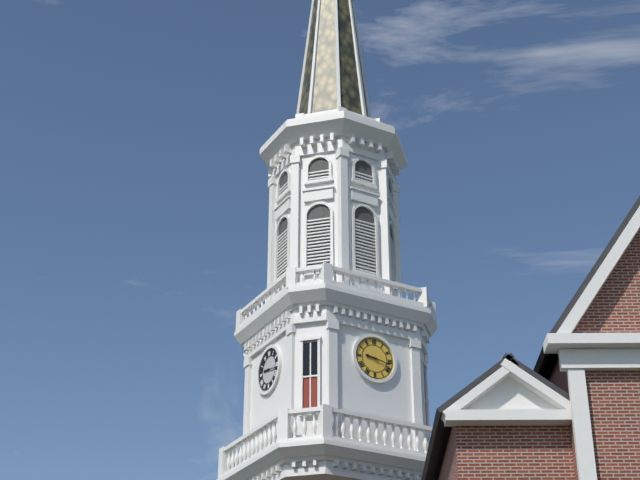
9:17
